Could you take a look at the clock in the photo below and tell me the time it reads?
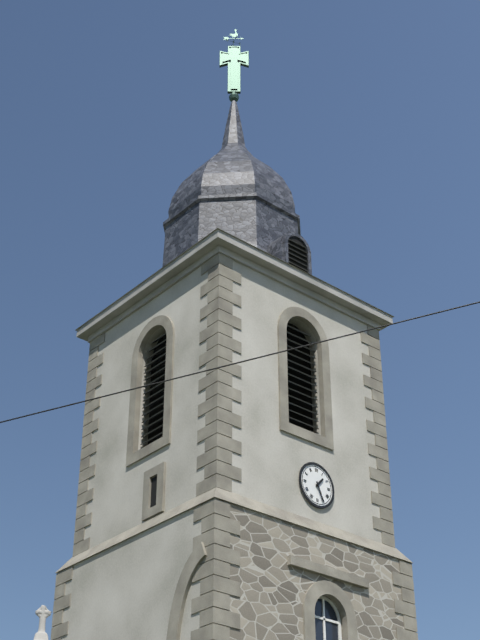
1:26
